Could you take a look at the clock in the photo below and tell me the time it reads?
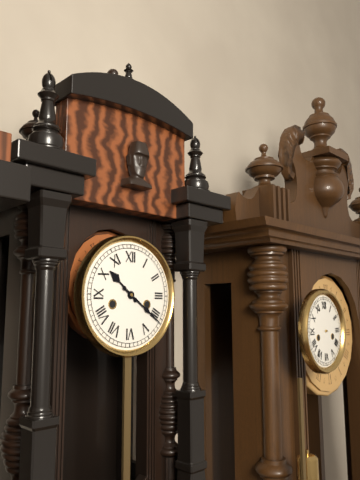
10:21
